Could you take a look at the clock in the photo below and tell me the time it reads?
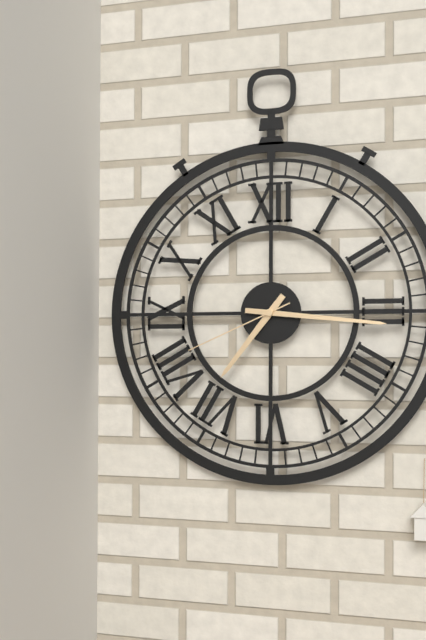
7:16:41
